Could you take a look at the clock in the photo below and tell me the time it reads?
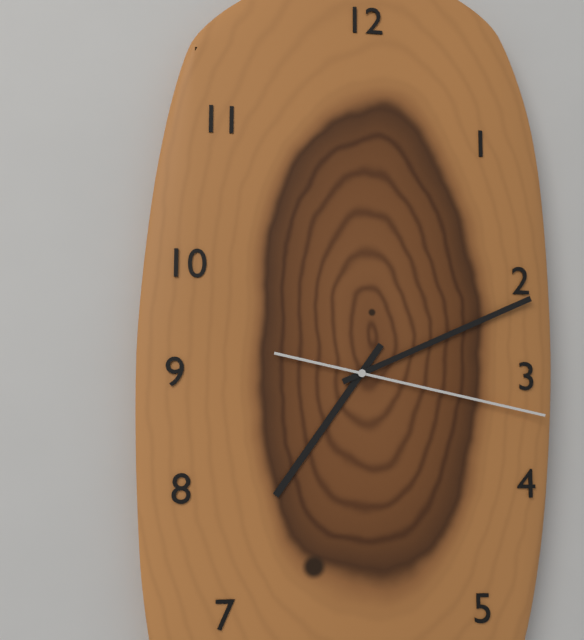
7:11:17
